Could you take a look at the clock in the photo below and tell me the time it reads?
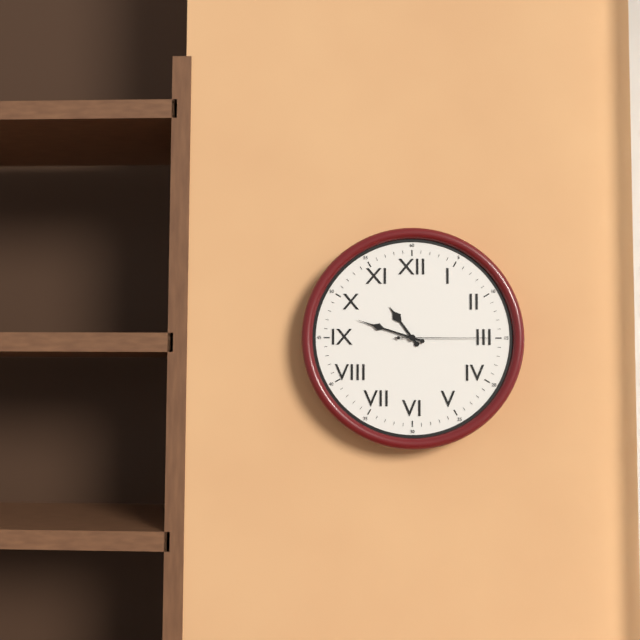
10:48:15
